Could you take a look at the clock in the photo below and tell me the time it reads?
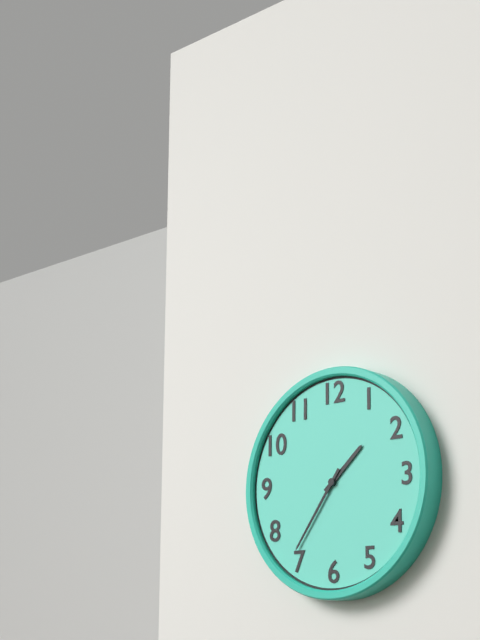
1:36
